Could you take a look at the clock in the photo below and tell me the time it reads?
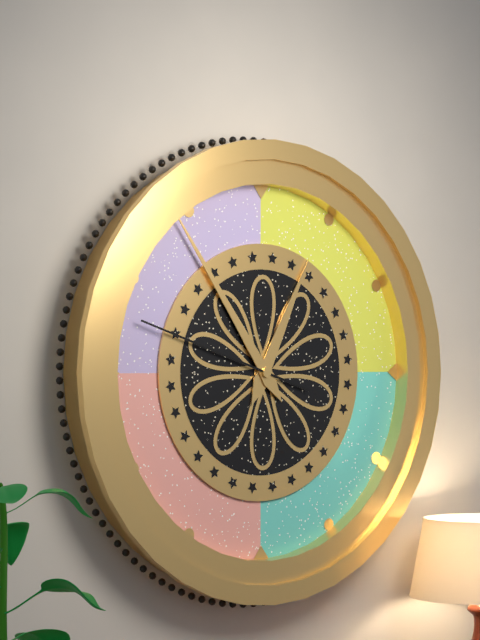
12:54:48
